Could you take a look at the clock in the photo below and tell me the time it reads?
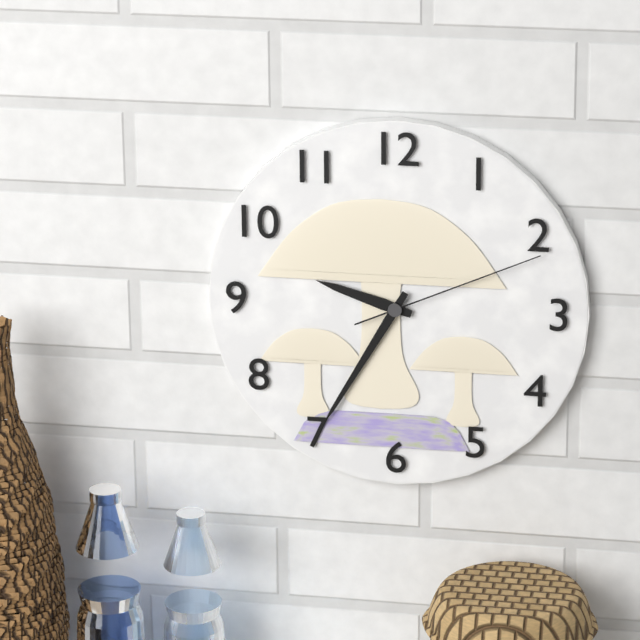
9:35:11
